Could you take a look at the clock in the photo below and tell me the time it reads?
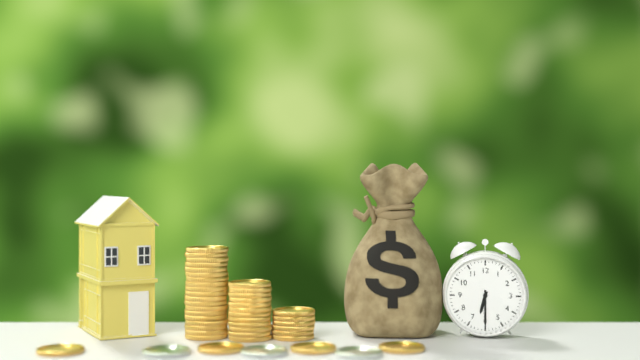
6:30
